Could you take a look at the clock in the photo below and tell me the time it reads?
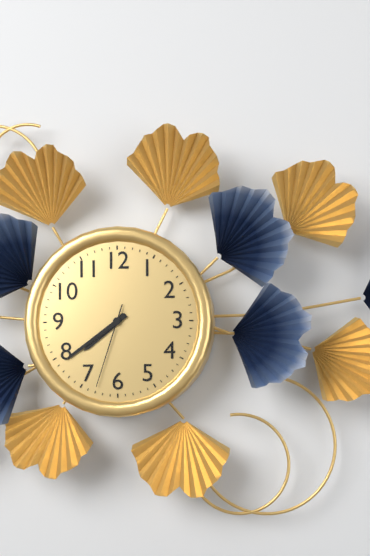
7:39:33
